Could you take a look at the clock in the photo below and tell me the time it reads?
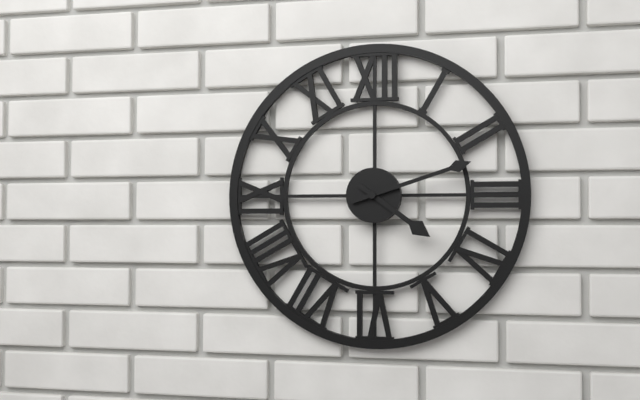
4:12
